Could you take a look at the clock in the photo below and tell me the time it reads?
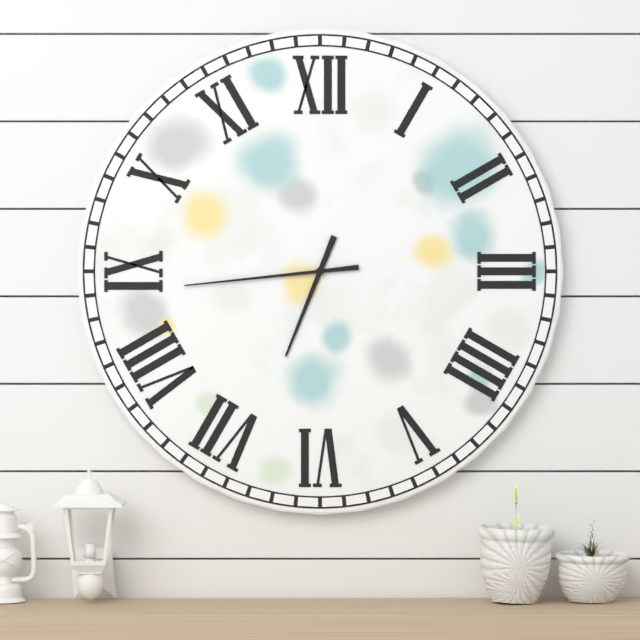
6:44
